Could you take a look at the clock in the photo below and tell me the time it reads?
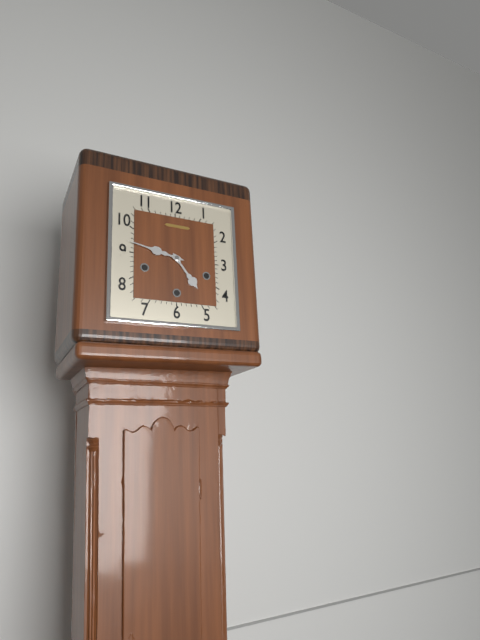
4:47
